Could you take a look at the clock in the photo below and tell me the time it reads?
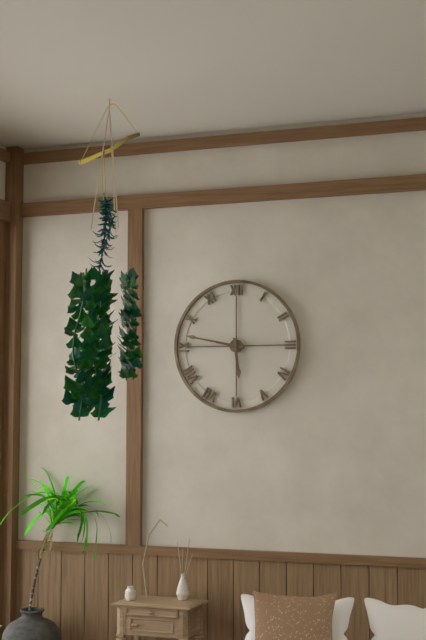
5:47
